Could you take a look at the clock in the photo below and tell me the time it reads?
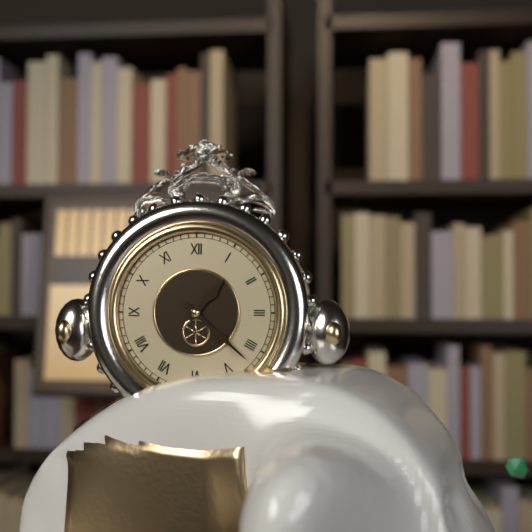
1:22
